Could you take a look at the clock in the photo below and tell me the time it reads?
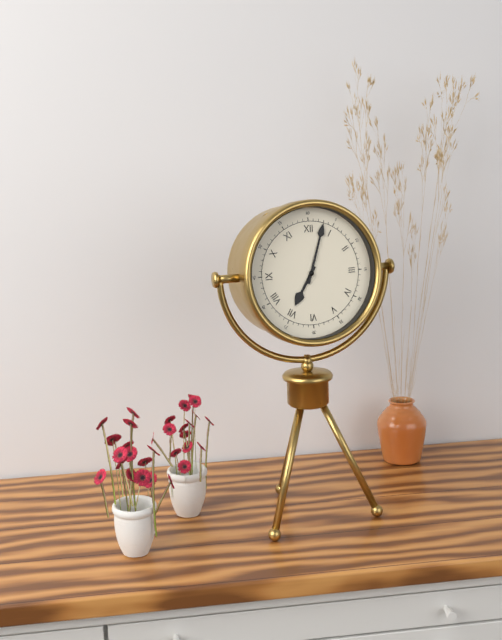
7:03
